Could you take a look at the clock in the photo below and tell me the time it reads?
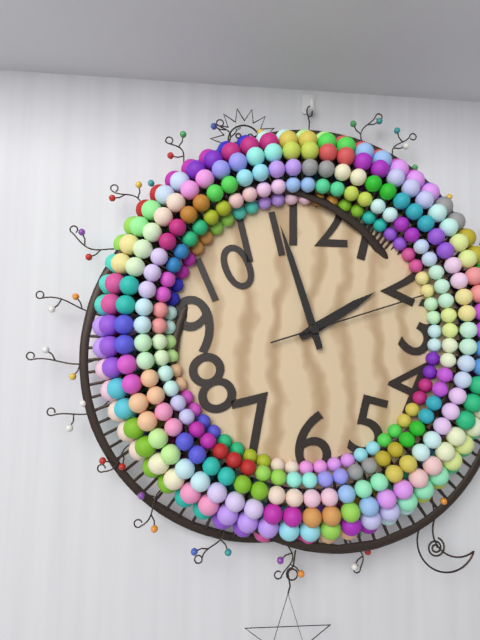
1:57:12
